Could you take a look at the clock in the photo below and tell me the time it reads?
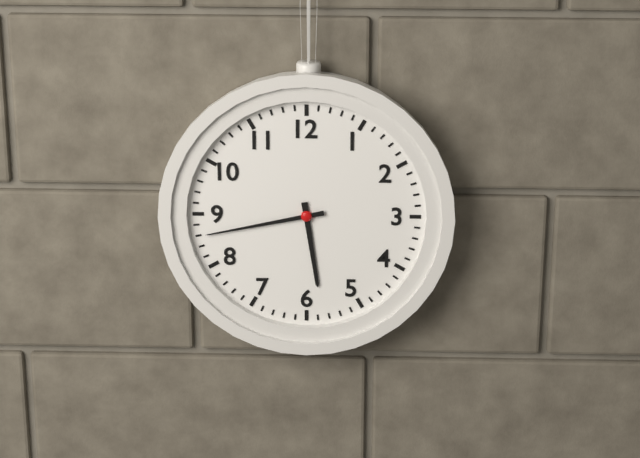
5:43
